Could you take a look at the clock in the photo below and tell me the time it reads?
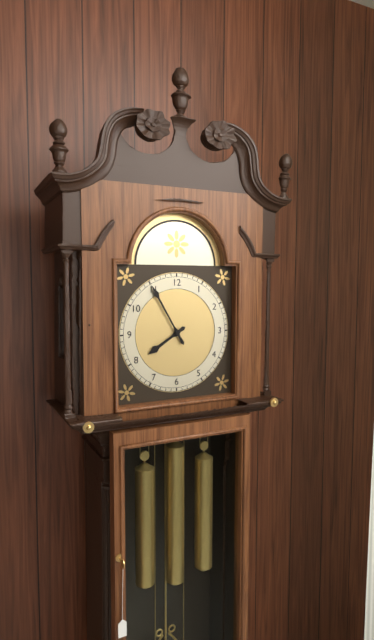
7:55
